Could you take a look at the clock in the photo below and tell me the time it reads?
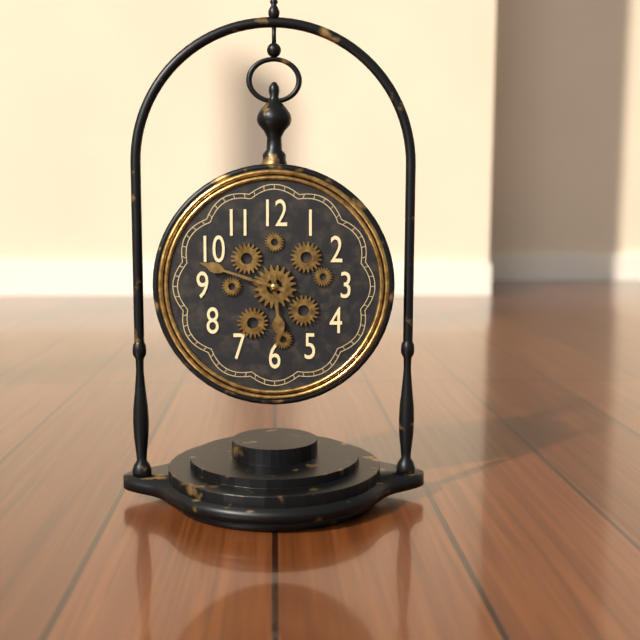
5:48
